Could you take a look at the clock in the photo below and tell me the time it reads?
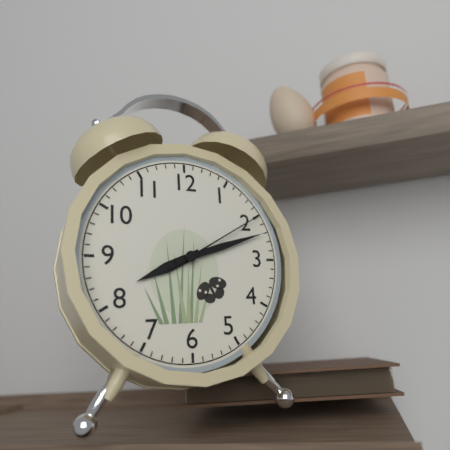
8:12:10
